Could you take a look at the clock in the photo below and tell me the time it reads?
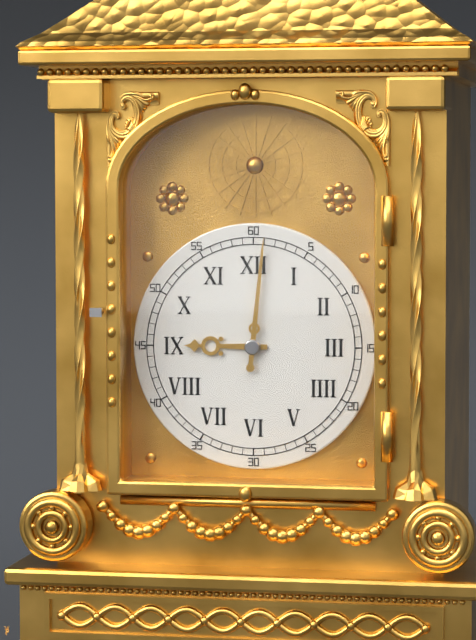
9:01
